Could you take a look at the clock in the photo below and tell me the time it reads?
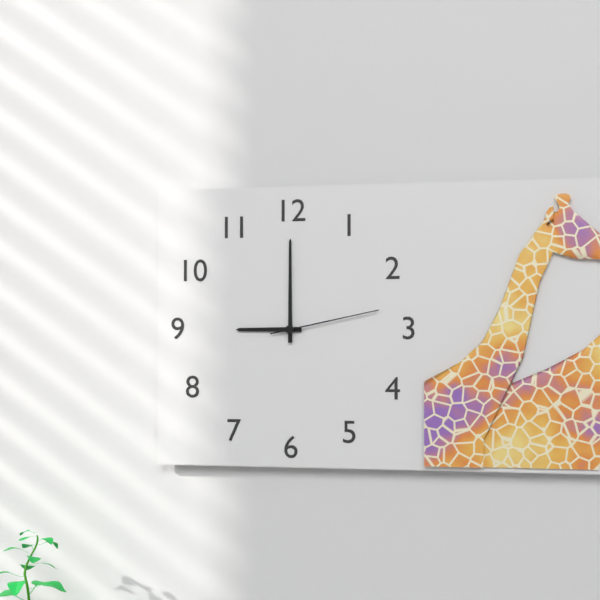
9:00:13
